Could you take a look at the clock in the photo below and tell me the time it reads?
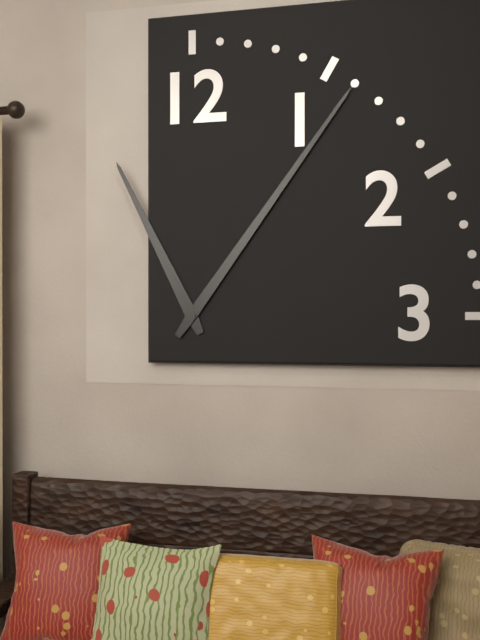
11:06
